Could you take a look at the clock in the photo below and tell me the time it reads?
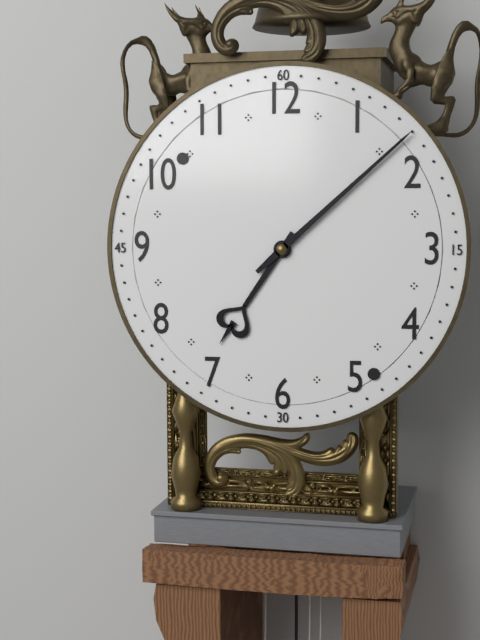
7:08
